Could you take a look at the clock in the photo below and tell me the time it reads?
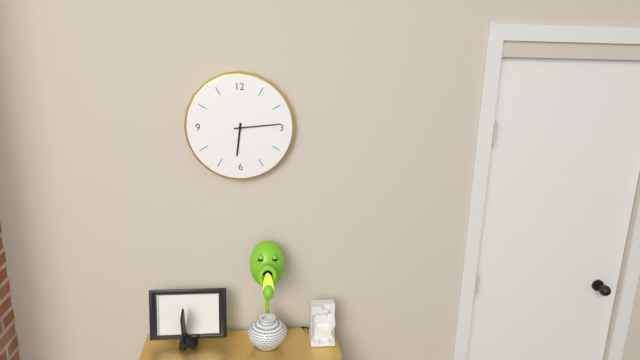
6:14
